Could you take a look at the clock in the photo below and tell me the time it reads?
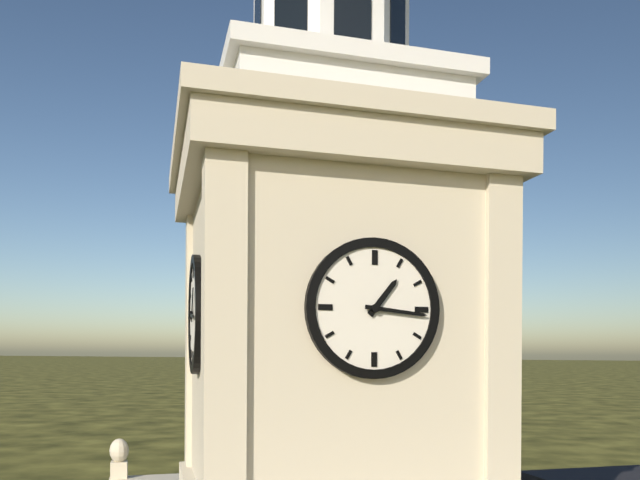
1:16
